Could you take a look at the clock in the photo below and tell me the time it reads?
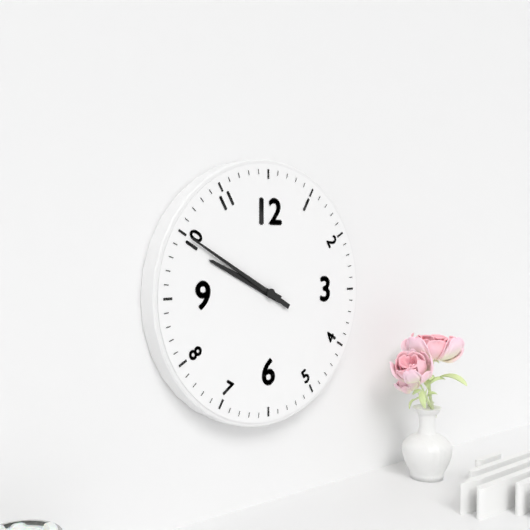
9:50
